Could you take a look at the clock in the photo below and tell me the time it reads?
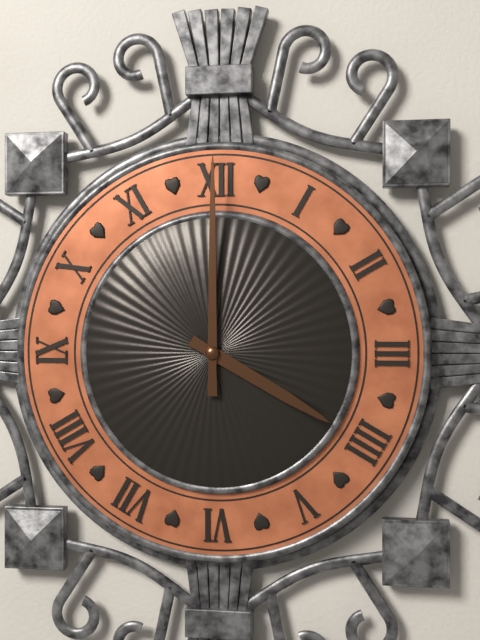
4:00
